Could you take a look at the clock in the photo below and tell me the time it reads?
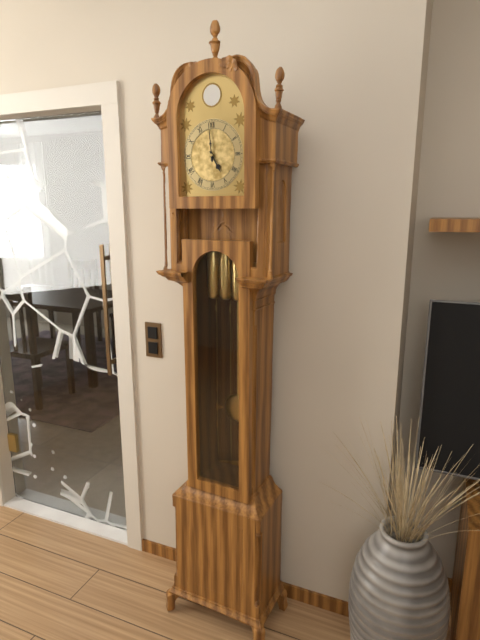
4:59
